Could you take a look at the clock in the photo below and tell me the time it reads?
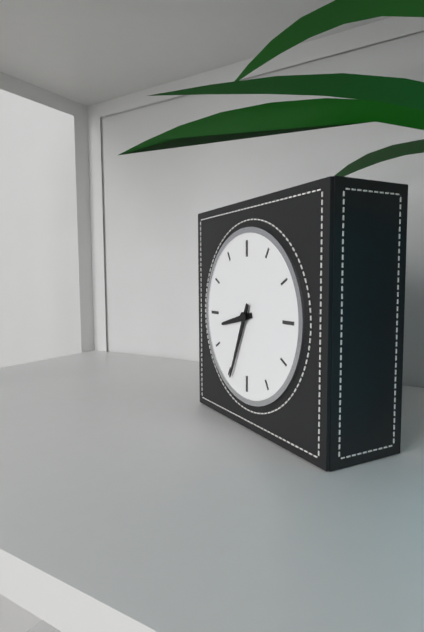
8:34
